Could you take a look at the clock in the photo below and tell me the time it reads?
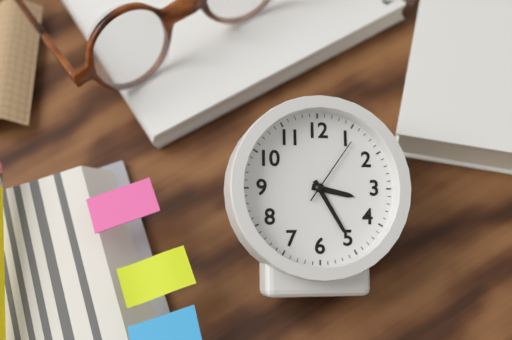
3:25:06
